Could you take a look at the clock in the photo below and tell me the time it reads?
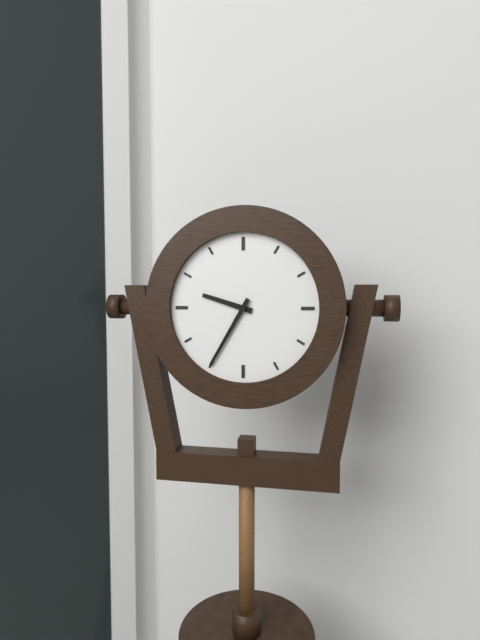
9:35
